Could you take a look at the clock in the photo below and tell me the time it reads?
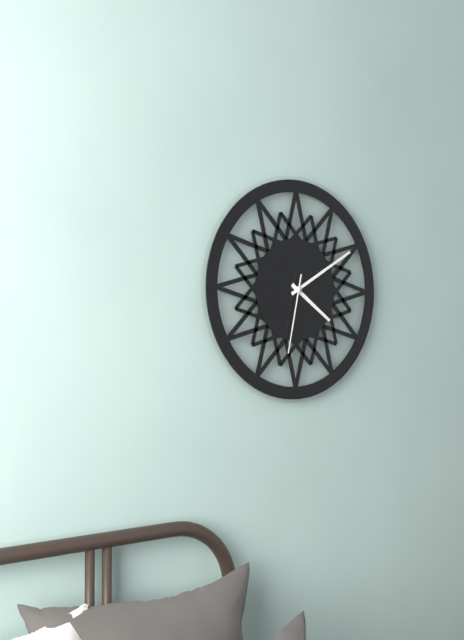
4:10:32
